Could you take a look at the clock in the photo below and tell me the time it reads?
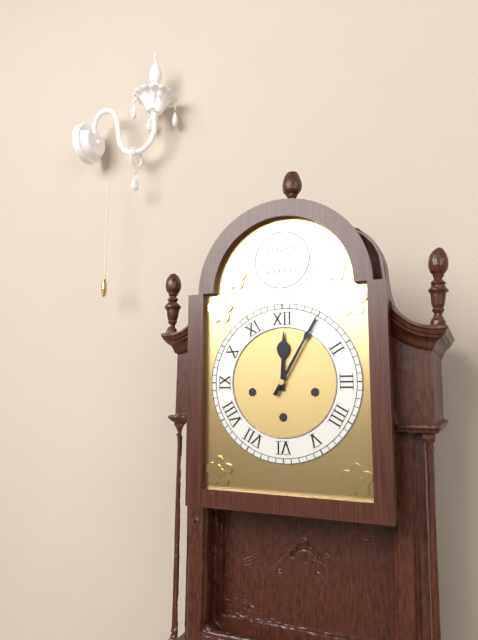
12:05
